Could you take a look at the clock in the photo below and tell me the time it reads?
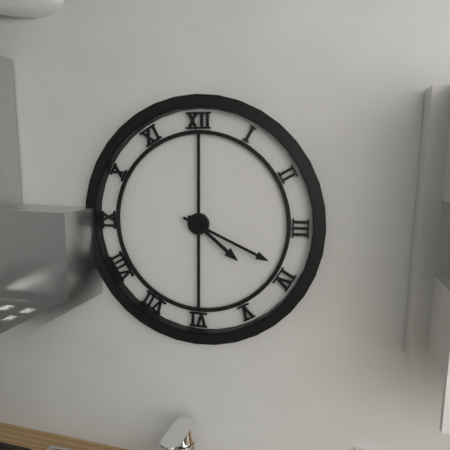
4:19
